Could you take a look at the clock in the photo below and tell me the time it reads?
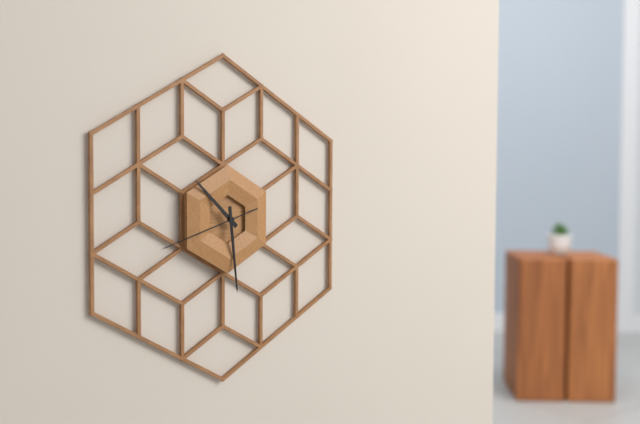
10:29:42
